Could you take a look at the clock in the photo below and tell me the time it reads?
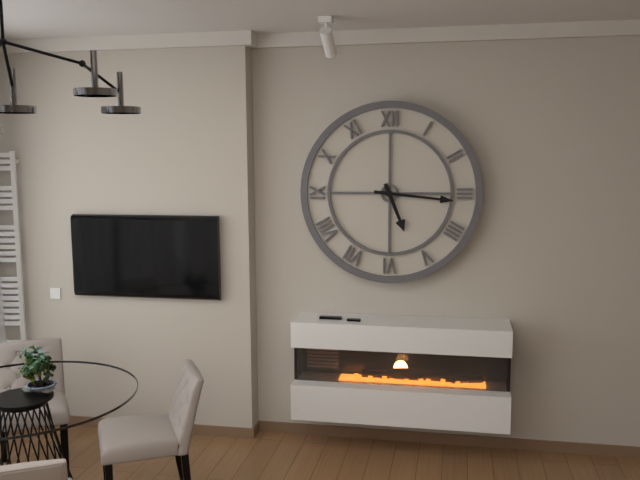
5:16
